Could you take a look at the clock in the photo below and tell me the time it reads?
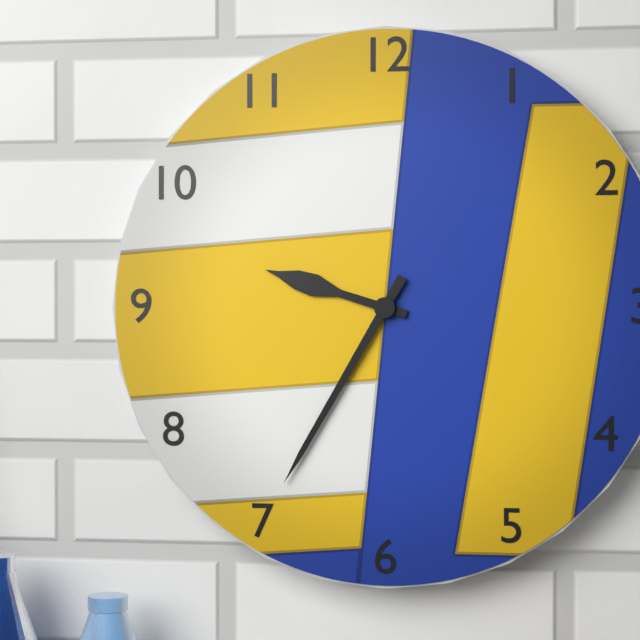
9:35
